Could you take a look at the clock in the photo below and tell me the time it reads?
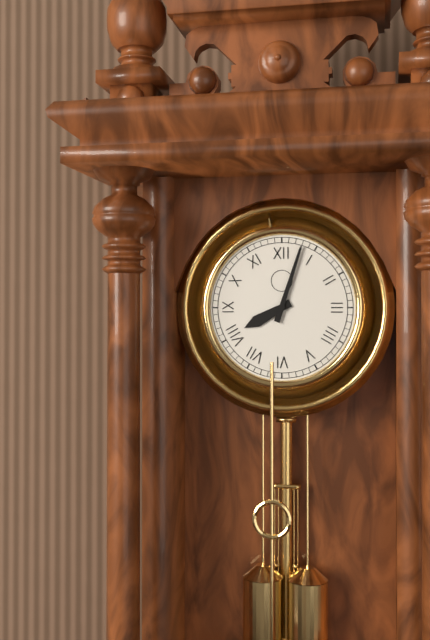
8:03
